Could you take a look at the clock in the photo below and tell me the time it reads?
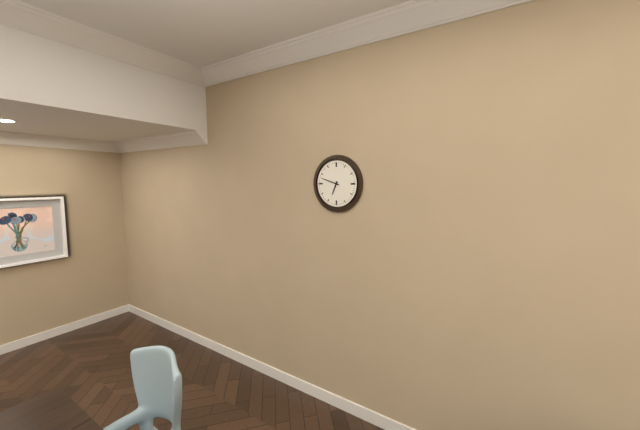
6:48
